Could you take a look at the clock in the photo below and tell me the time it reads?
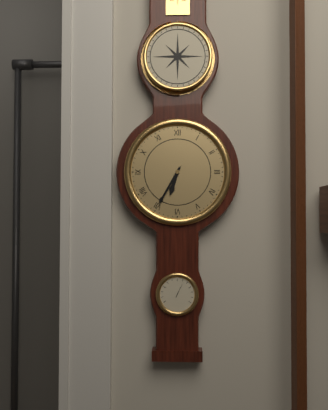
6:35
